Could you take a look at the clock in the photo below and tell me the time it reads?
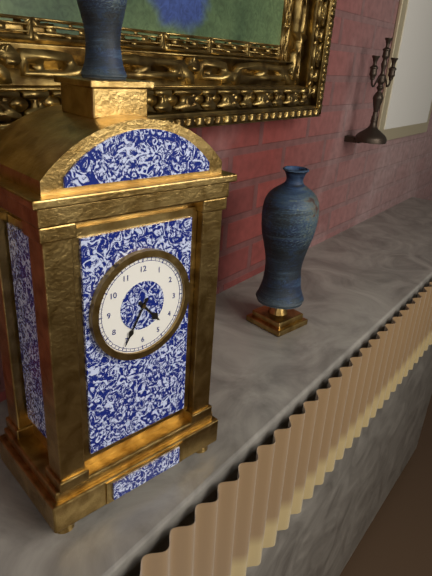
4:35
